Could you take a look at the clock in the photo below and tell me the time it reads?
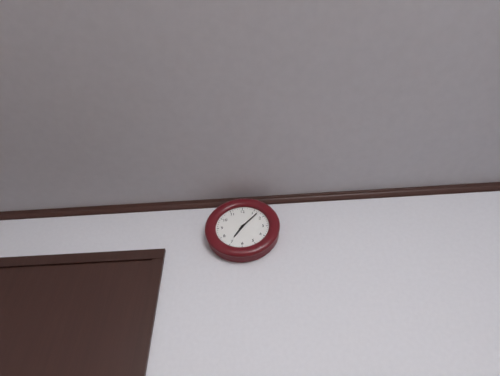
7:07
